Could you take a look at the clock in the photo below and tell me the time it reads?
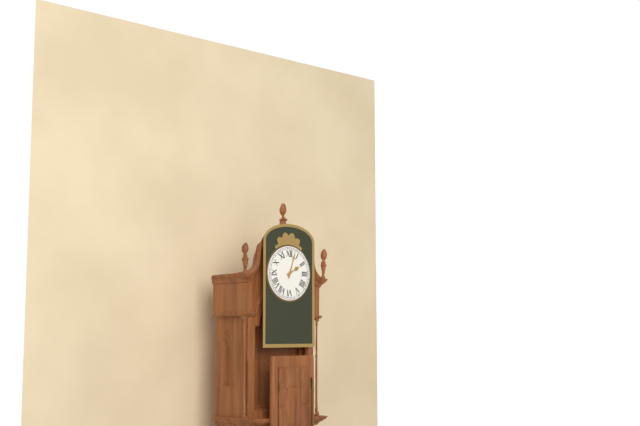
2:03
